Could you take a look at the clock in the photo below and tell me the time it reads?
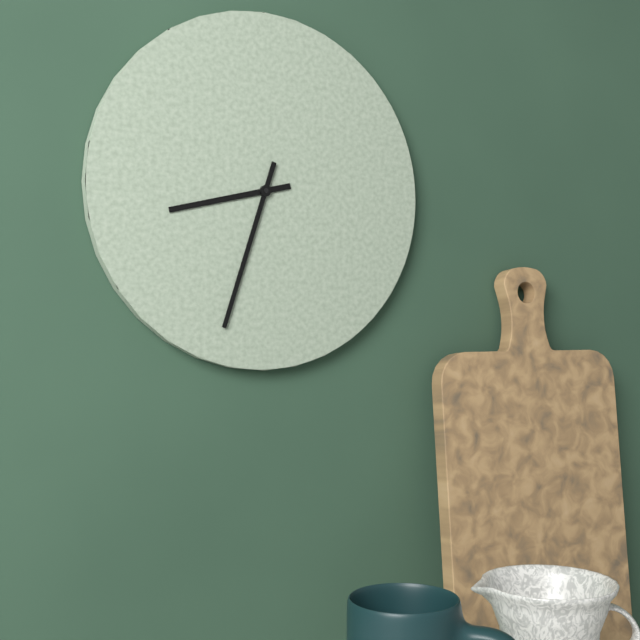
8:33
